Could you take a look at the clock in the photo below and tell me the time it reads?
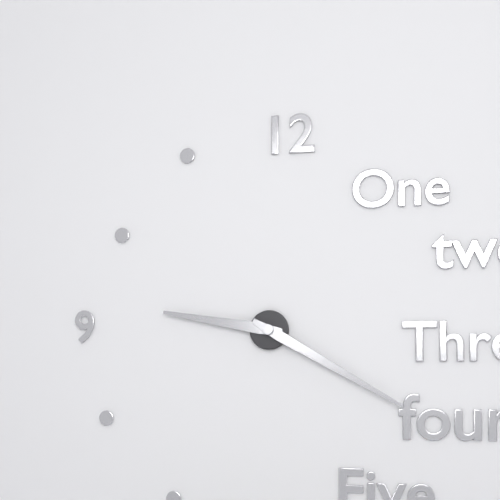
9:20
